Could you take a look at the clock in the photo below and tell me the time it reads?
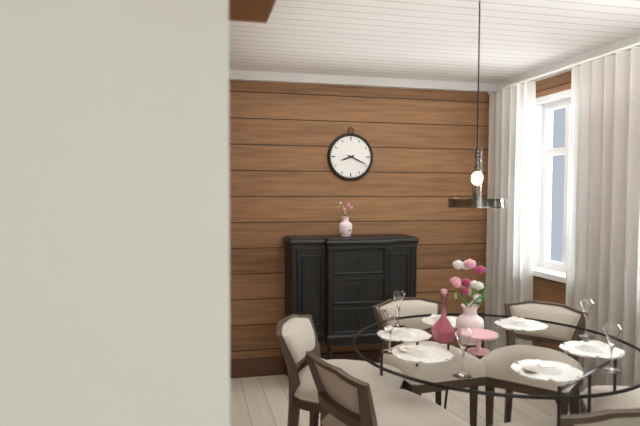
8:19
